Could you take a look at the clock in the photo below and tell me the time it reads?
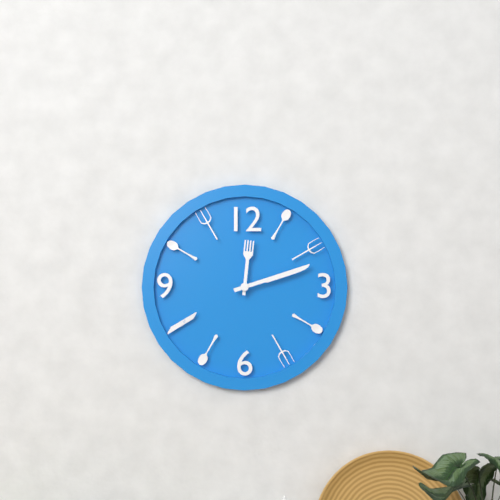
12:12
